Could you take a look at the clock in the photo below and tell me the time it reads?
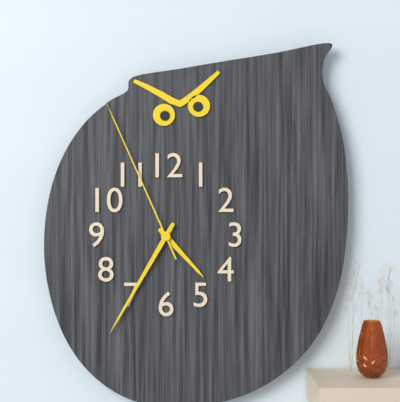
4:35:56
